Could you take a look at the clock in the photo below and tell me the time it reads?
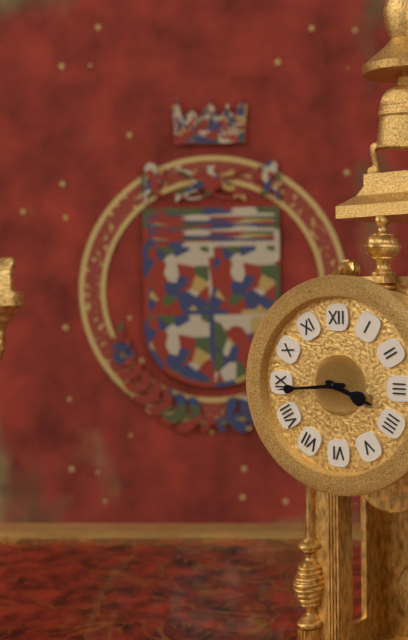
3:44
